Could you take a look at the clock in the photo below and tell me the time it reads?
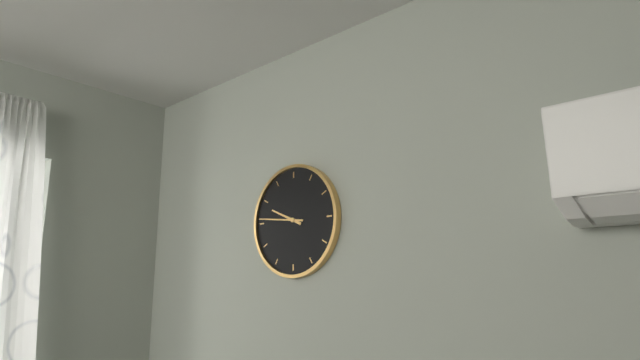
9:46
